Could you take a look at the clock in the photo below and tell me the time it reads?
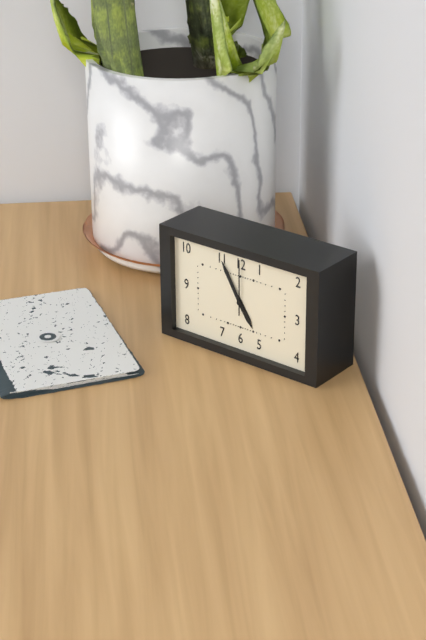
4:55:00
